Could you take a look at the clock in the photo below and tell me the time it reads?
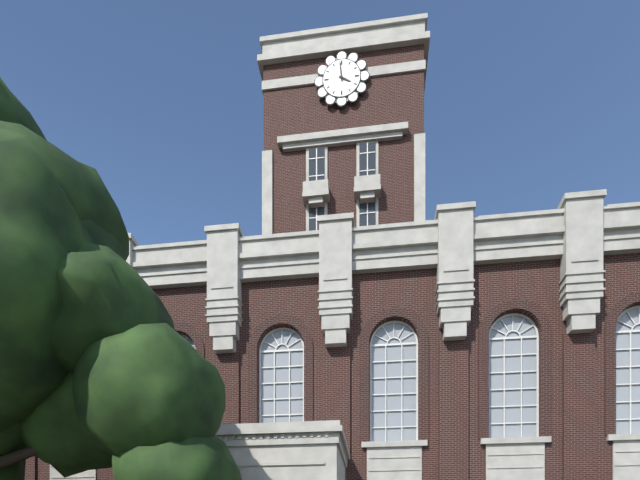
3:59
